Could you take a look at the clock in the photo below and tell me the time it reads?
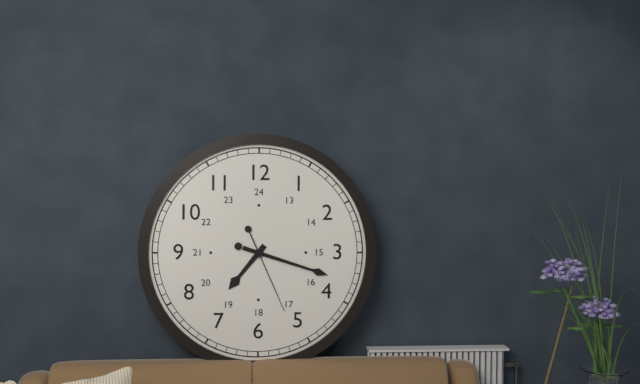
7:18:26
